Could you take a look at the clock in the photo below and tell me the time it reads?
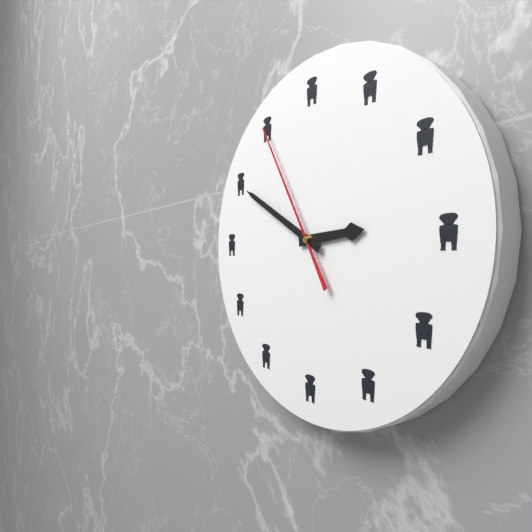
2:50:55
